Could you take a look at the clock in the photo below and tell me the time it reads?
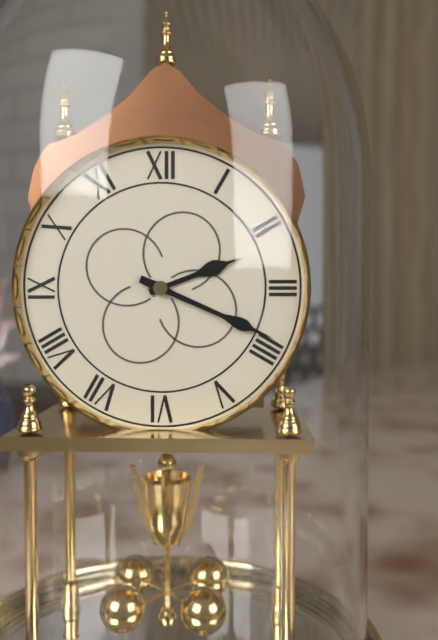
2:19
